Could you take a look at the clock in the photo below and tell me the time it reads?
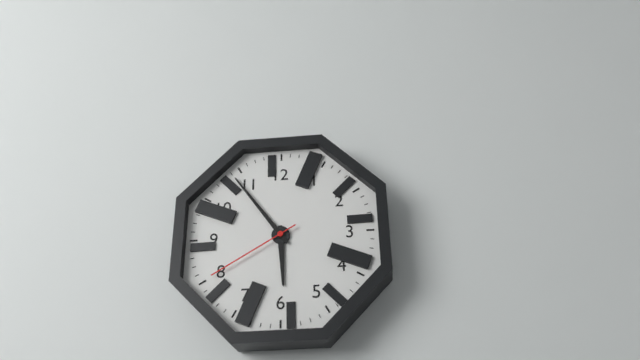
5:54:40
